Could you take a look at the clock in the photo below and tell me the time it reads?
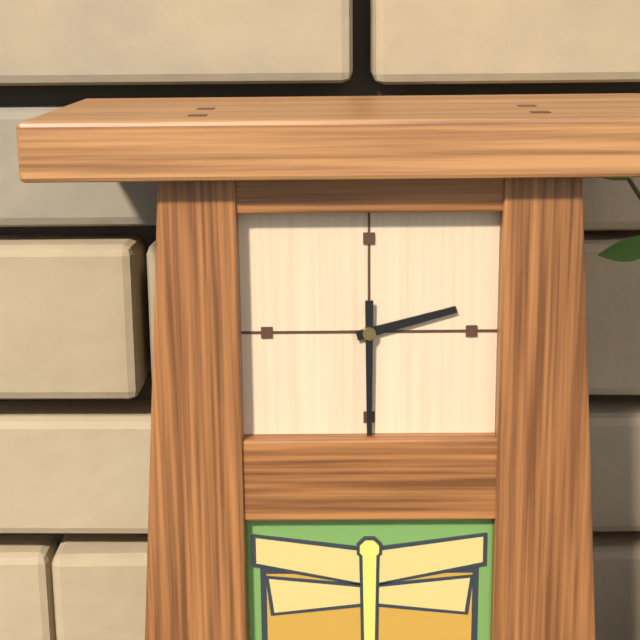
2:30
